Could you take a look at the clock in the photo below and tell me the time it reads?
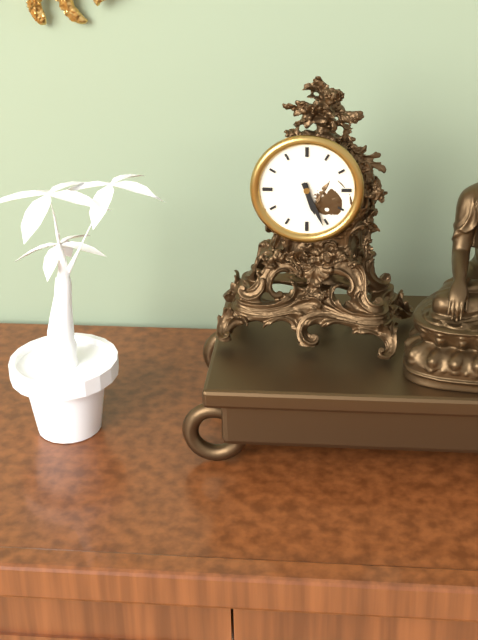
5:26
